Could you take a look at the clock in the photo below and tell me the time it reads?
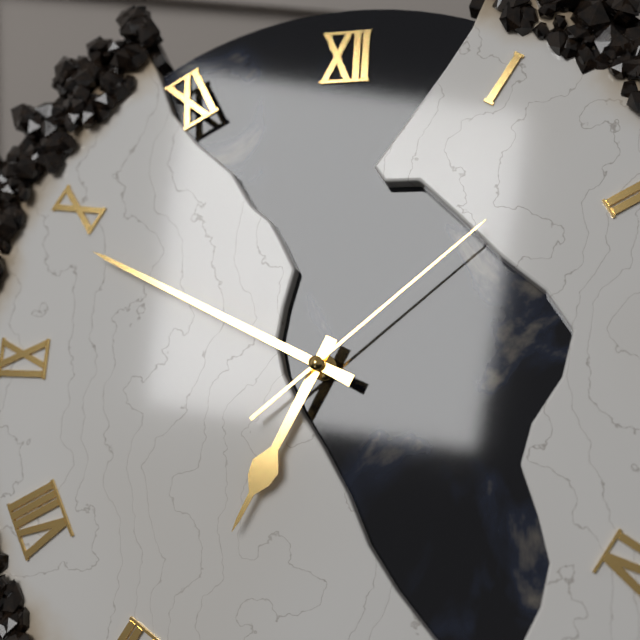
6:49:08
